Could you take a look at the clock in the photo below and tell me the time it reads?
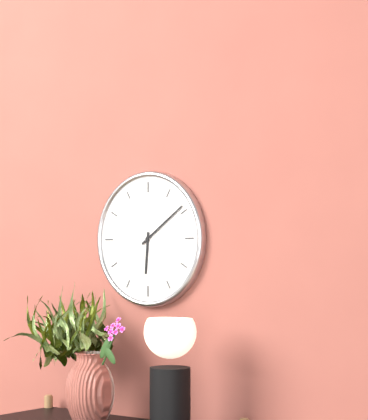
6:09
